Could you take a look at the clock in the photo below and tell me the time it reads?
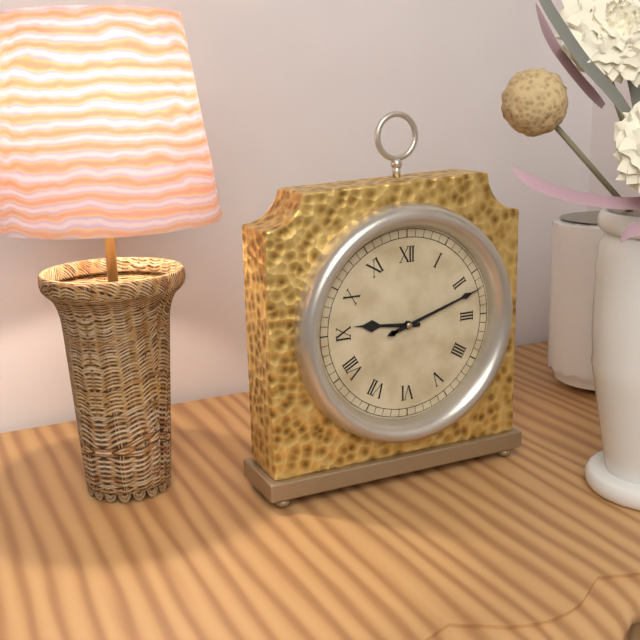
9:12
